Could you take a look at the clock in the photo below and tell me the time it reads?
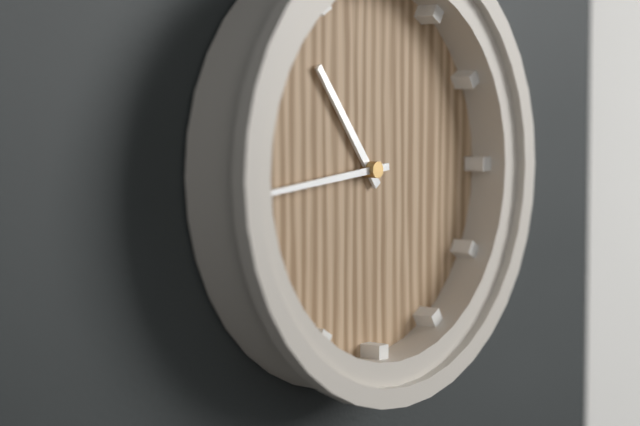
10:44
